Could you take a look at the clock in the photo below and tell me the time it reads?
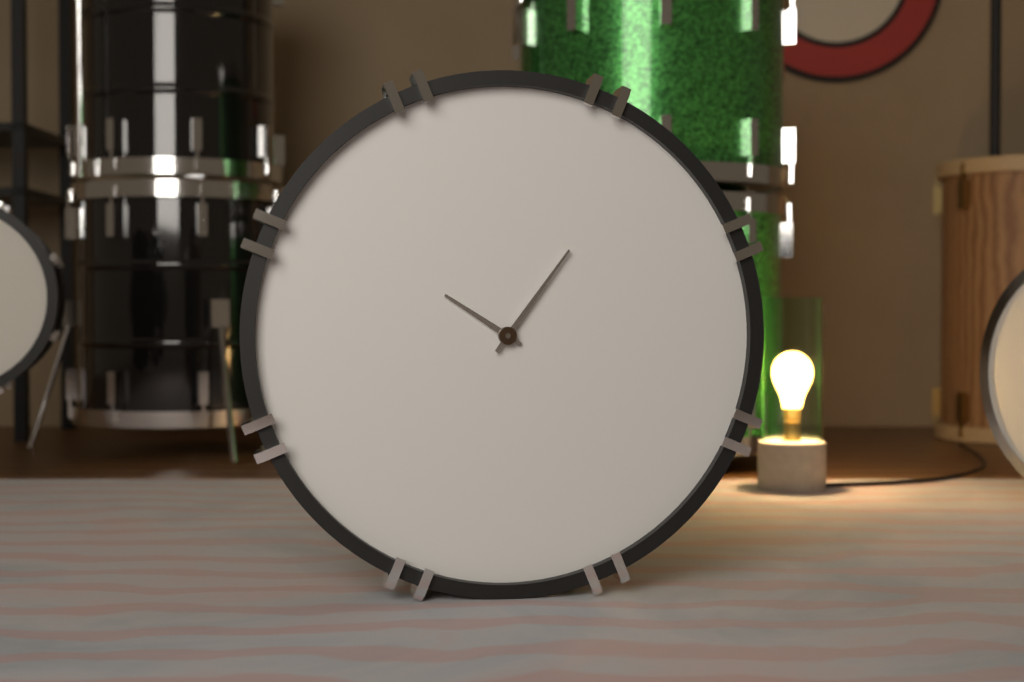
10:06
